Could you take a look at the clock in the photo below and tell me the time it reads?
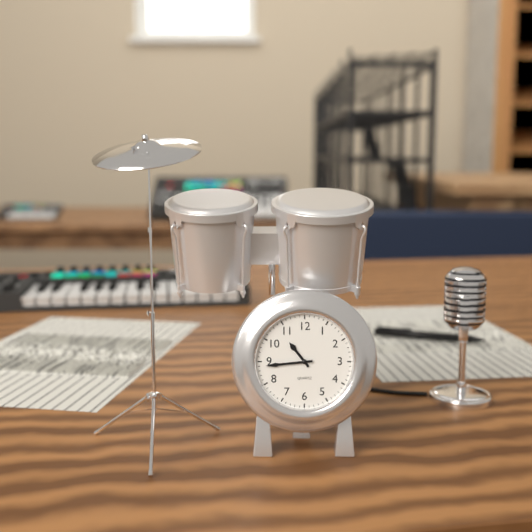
10:44
